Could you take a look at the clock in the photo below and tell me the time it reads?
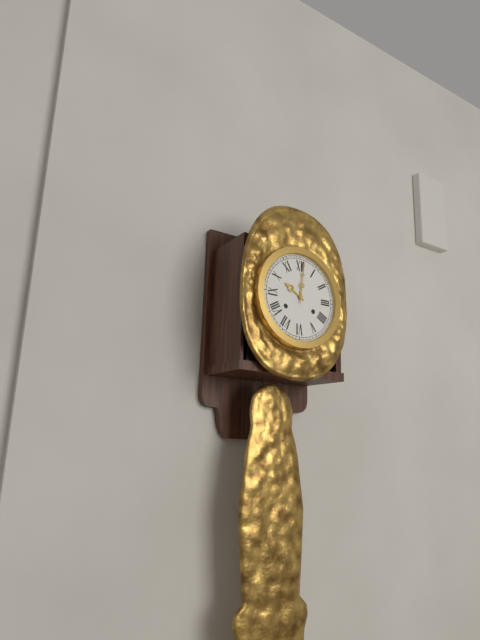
10:01
